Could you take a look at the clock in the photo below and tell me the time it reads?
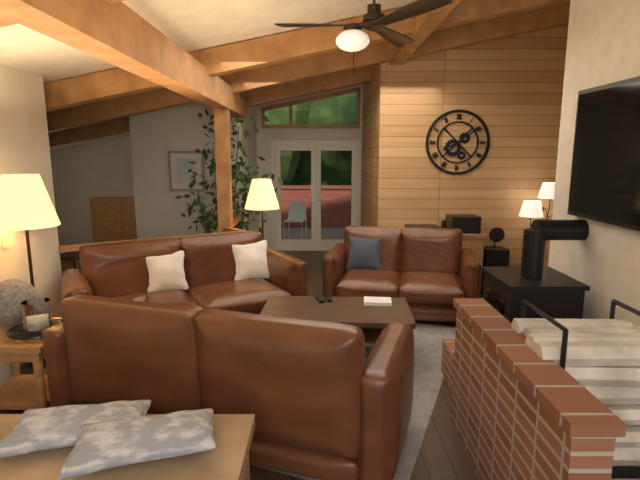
8:09
